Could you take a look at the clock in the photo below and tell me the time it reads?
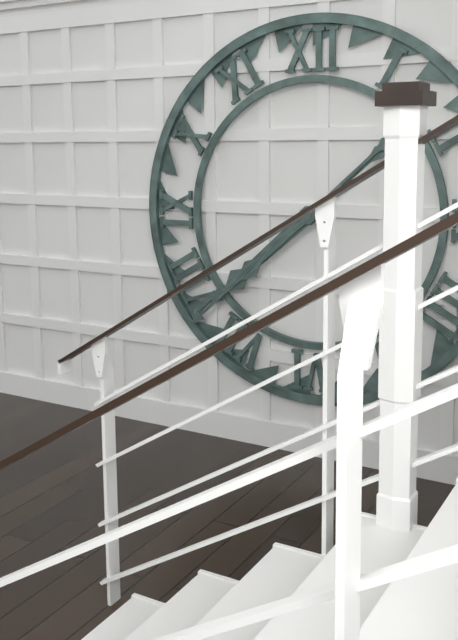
7:38
